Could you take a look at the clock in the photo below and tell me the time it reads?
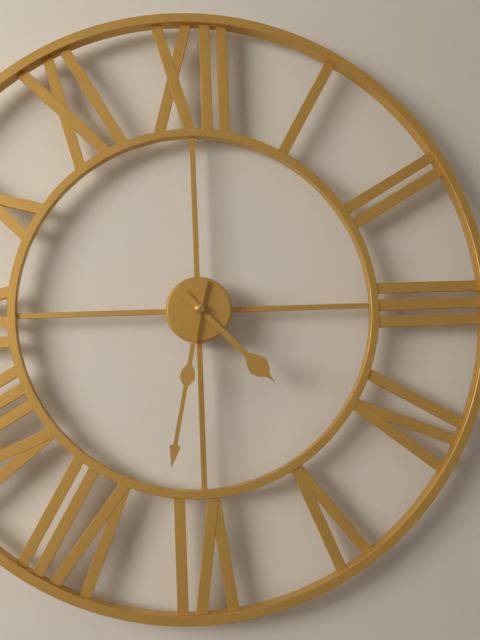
4:32
